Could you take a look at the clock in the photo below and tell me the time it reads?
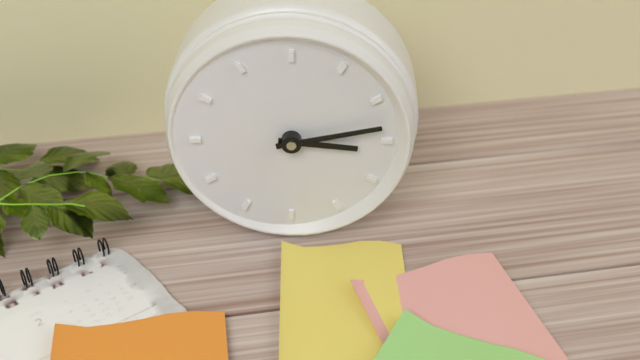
3:13
